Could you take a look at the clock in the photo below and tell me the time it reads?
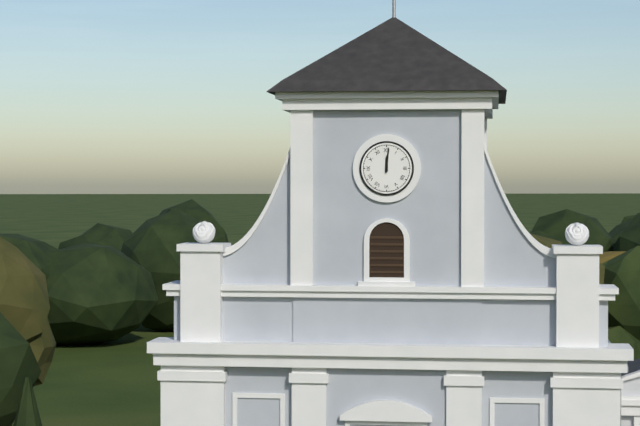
12:01
